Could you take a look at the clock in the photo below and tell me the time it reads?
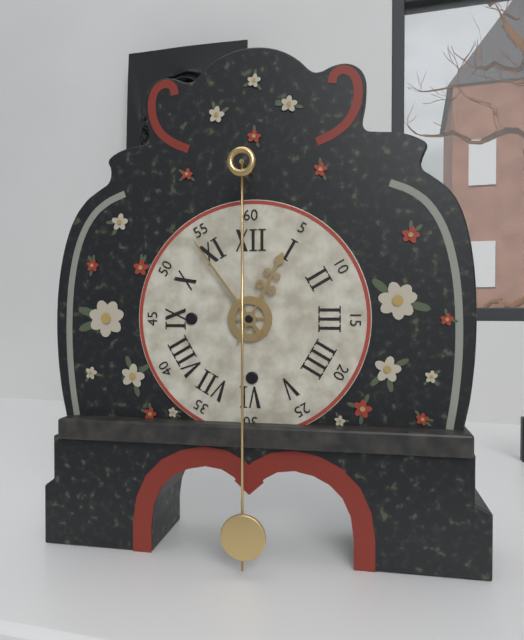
12:54
